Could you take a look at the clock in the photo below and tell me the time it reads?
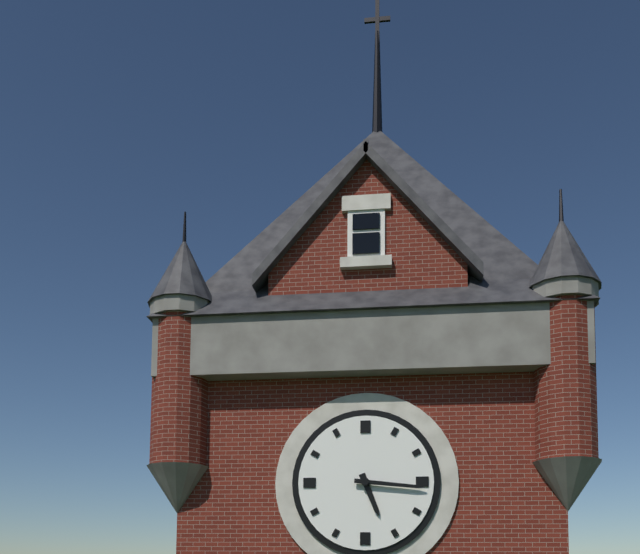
5:16
